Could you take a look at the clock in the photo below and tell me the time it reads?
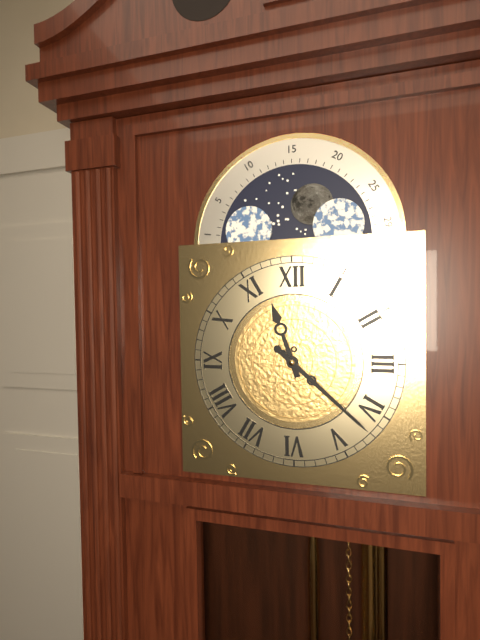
11:22
